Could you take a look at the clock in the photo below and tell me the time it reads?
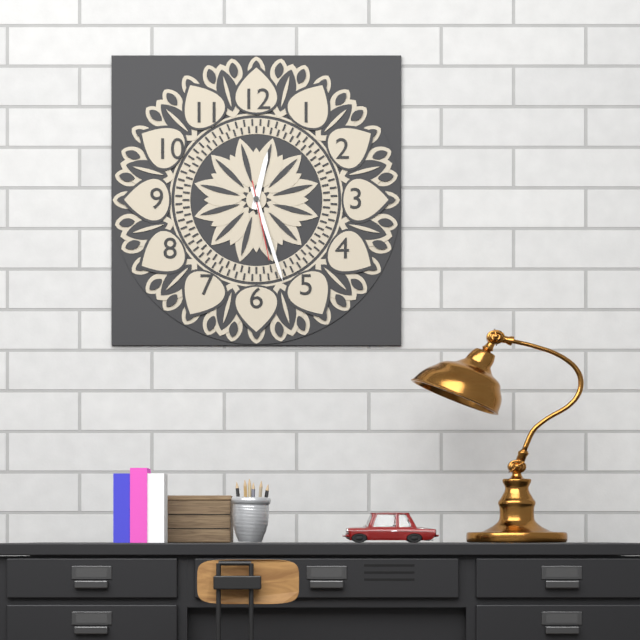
12:27:28
